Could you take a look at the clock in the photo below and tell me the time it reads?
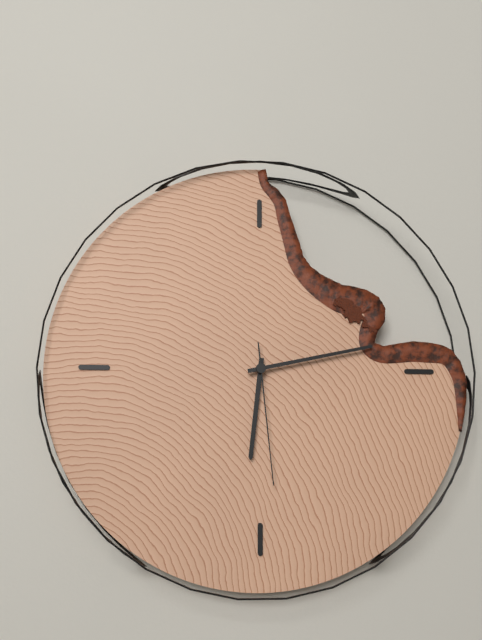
6:13:29
